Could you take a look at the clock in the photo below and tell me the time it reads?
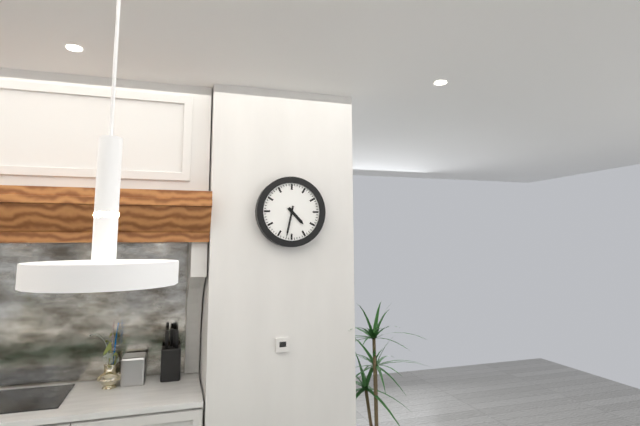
4:32
